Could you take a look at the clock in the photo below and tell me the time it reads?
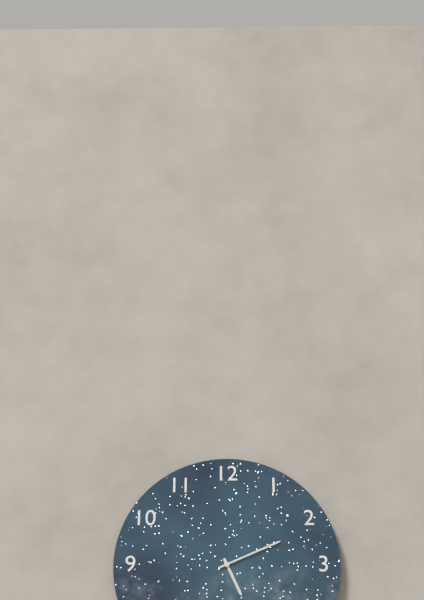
5:11
